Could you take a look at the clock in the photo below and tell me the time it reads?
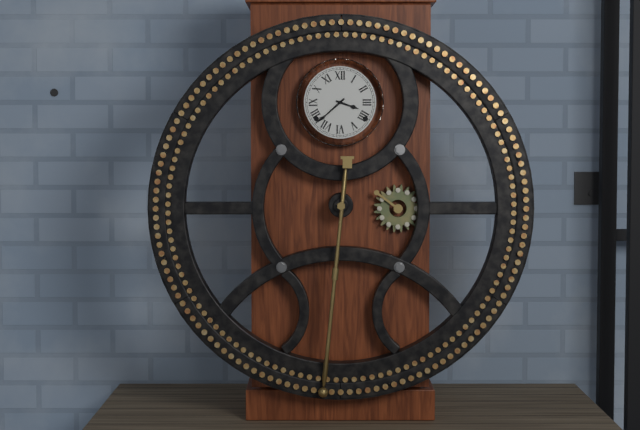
3:38
